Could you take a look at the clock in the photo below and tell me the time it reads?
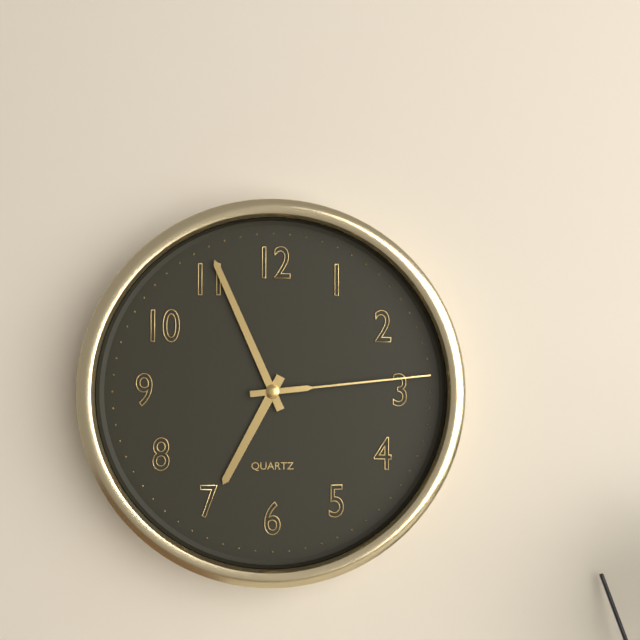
6:56:14
